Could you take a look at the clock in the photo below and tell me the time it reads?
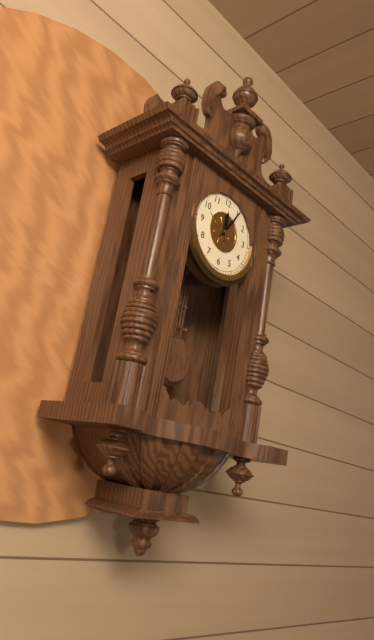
12:05
